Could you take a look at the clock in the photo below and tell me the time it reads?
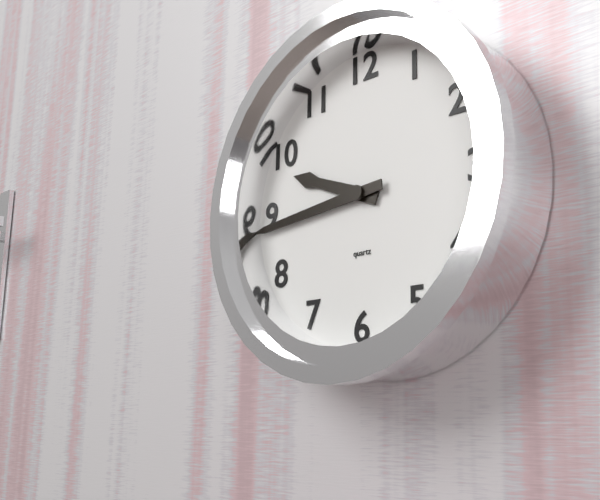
9:44
